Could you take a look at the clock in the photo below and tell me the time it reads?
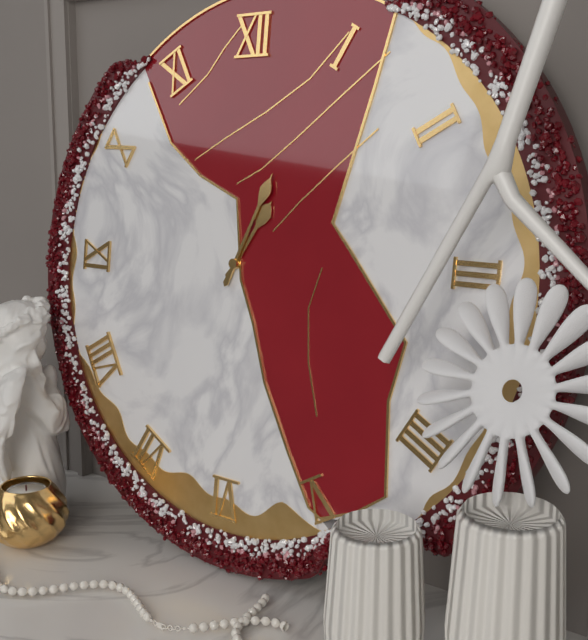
1:04
